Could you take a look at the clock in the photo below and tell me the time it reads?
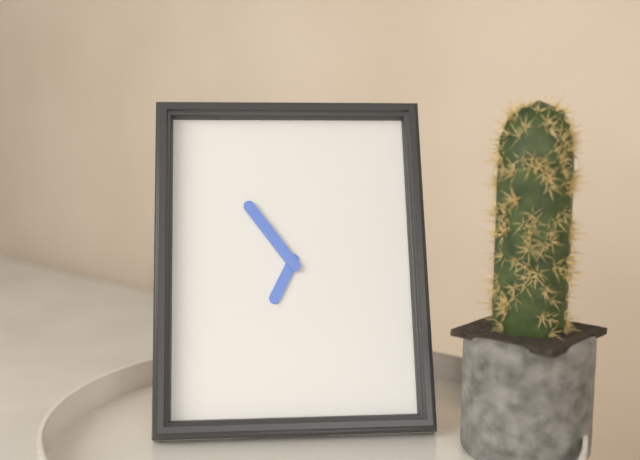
6:54
